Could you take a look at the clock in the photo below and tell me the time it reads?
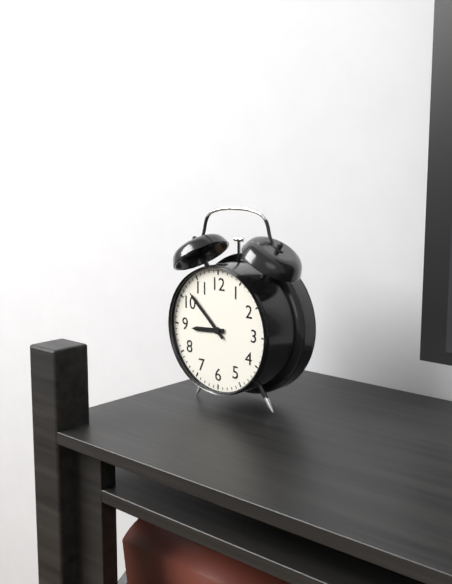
8:52
